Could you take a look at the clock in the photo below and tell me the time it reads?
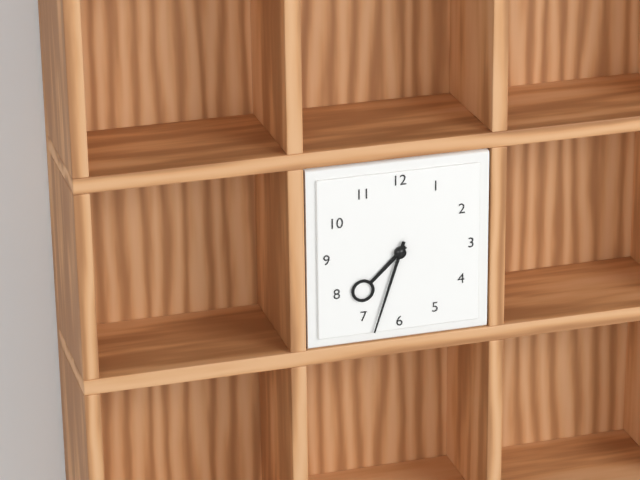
7:33
